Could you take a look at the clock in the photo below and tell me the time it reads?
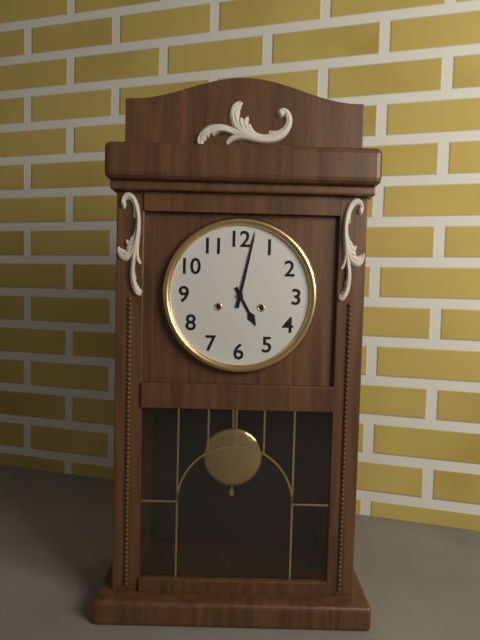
5:02
